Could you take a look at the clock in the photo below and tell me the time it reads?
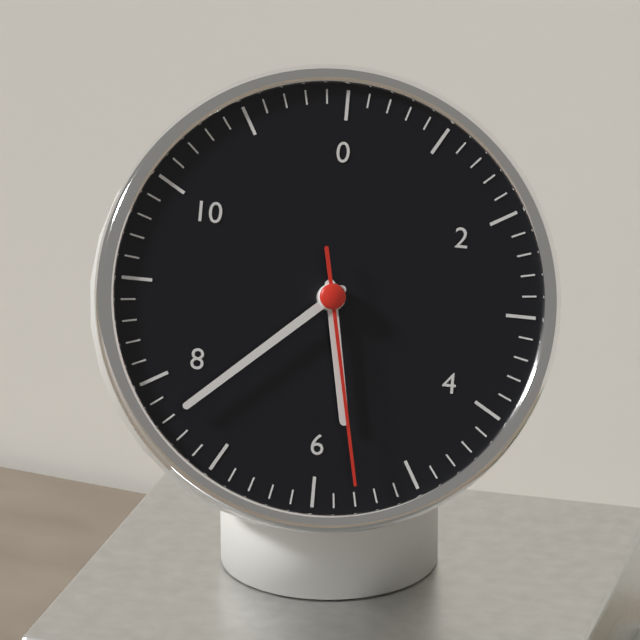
5:38:28
